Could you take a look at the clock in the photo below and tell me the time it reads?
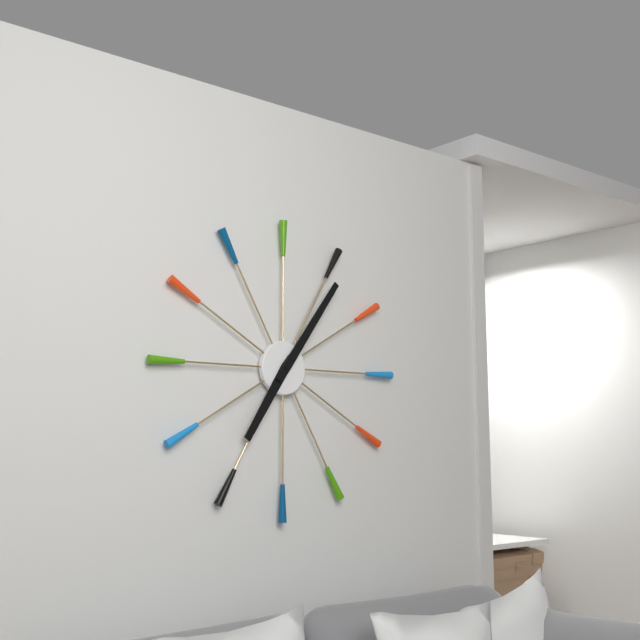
7:06
